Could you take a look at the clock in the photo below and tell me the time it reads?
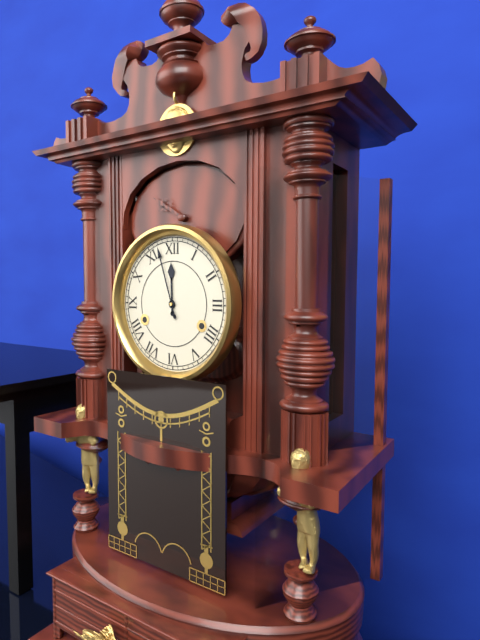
11:57
